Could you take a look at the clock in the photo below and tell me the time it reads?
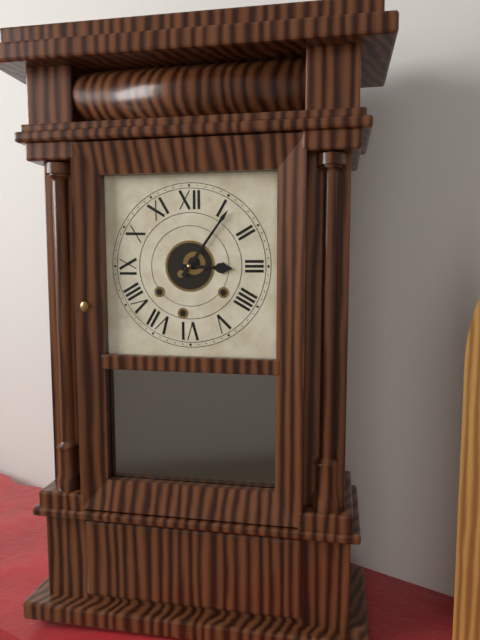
3:06
